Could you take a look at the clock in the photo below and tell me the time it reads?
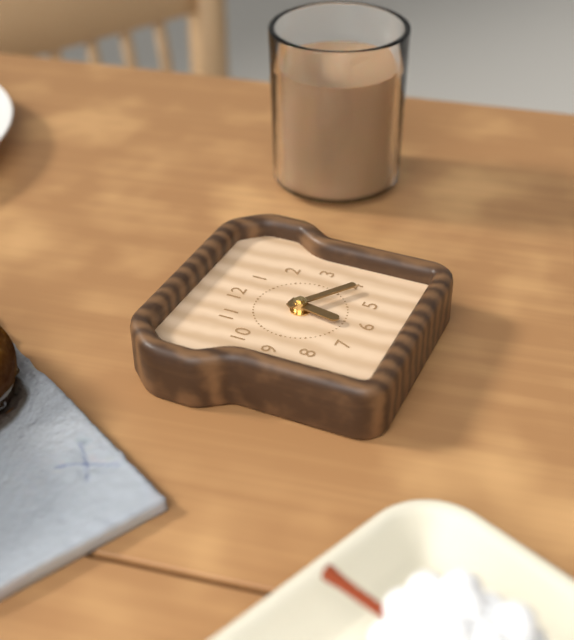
6:21
